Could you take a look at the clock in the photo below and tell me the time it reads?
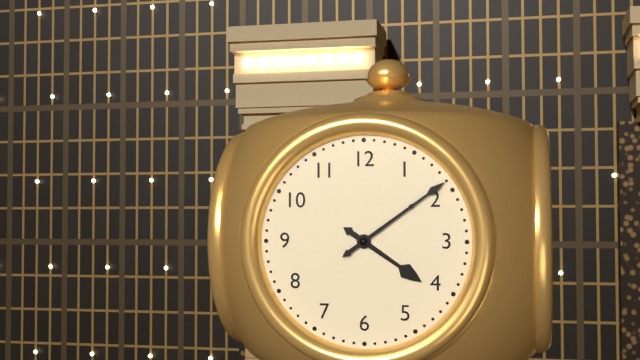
4:09
